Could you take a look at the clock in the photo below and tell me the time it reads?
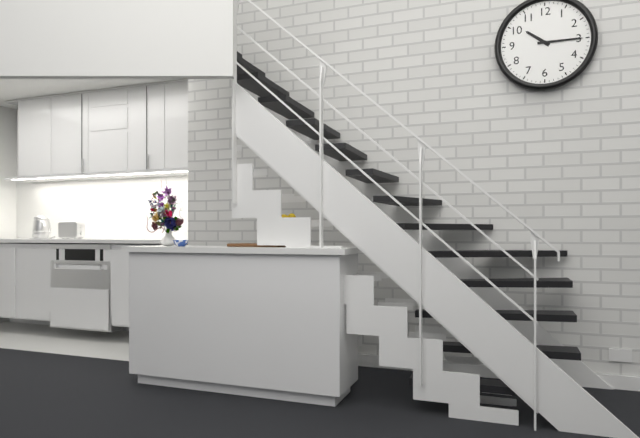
10:15
